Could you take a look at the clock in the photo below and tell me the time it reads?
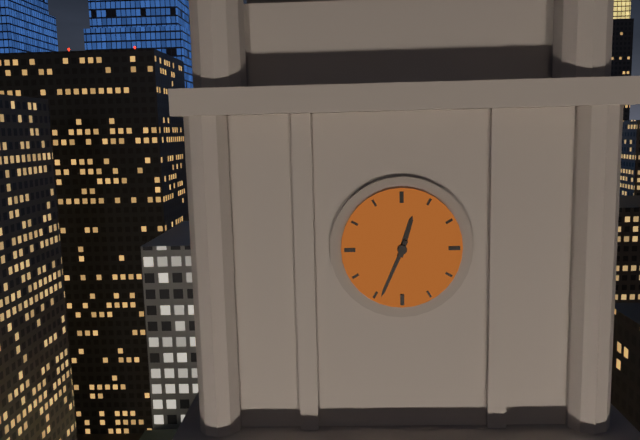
12:34
